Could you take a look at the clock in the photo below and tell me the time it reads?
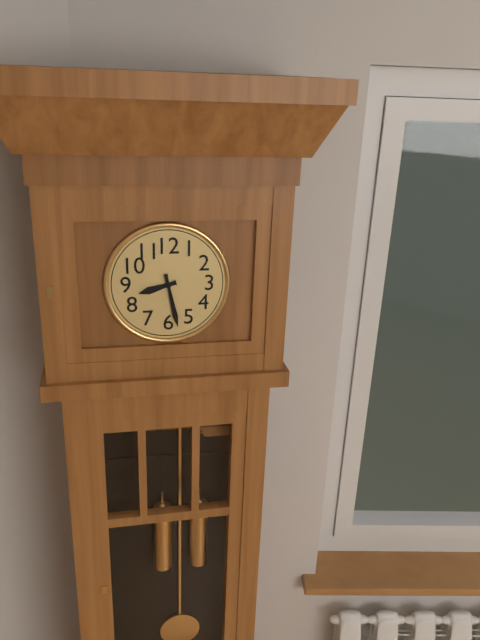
8:28
